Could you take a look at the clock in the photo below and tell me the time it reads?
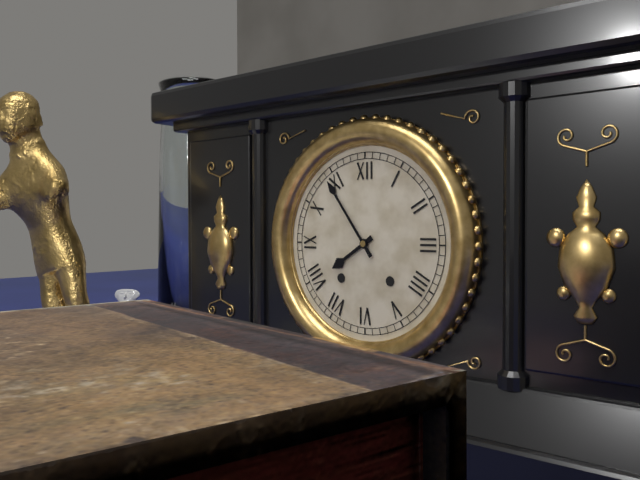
7:54
